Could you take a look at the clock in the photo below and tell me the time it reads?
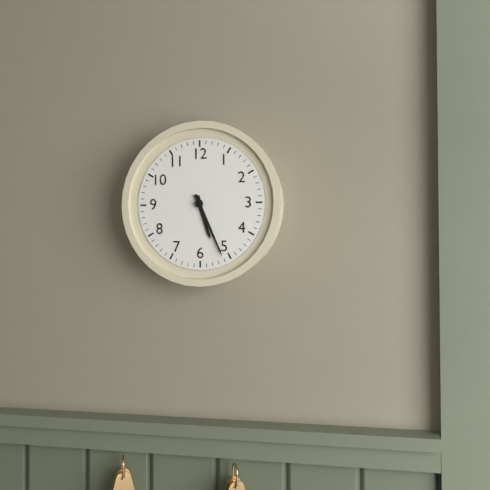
5:26
